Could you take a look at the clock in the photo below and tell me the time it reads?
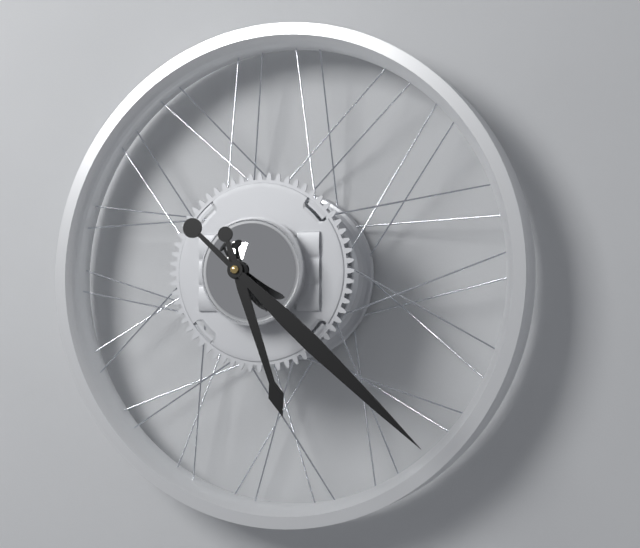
5:22
